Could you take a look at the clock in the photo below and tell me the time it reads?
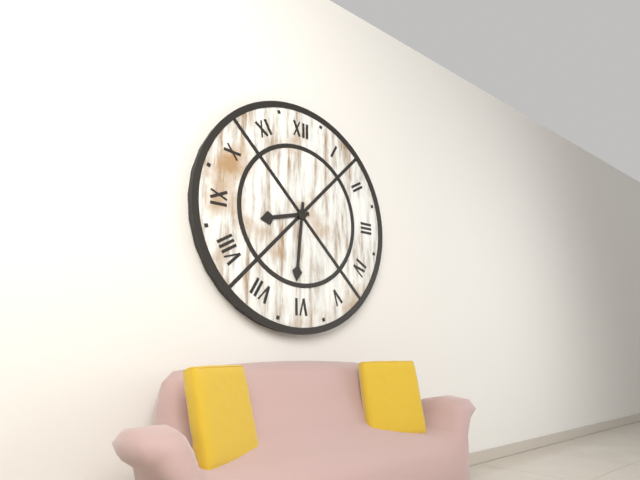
8:31
